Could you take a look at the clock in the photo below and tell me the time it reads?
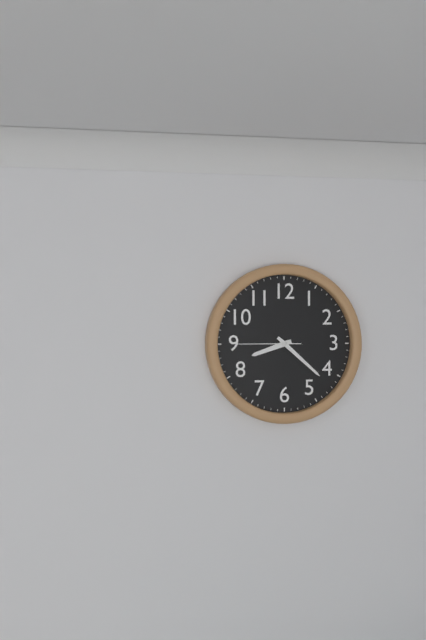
8:22:45
